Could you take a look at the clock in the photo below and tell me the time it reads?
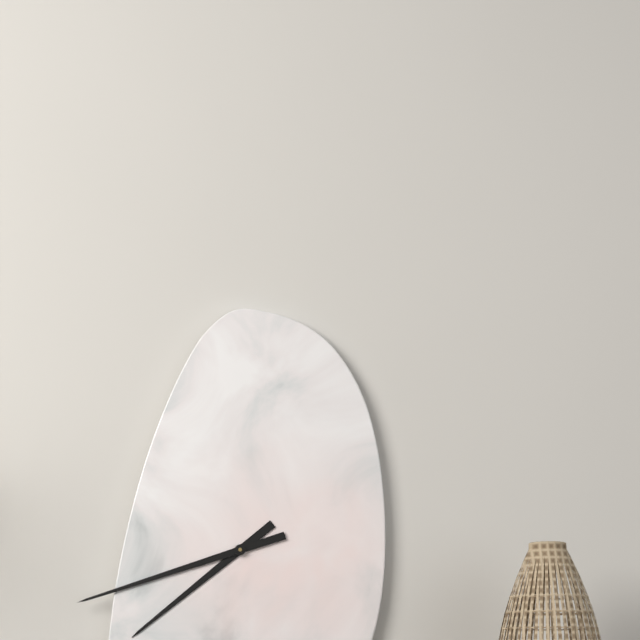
7:42
